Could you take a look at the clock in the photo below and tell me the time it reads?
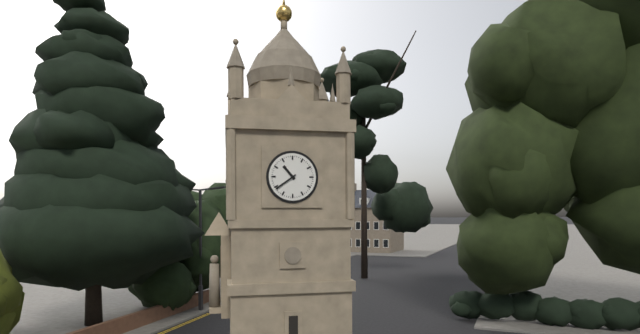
10:39
